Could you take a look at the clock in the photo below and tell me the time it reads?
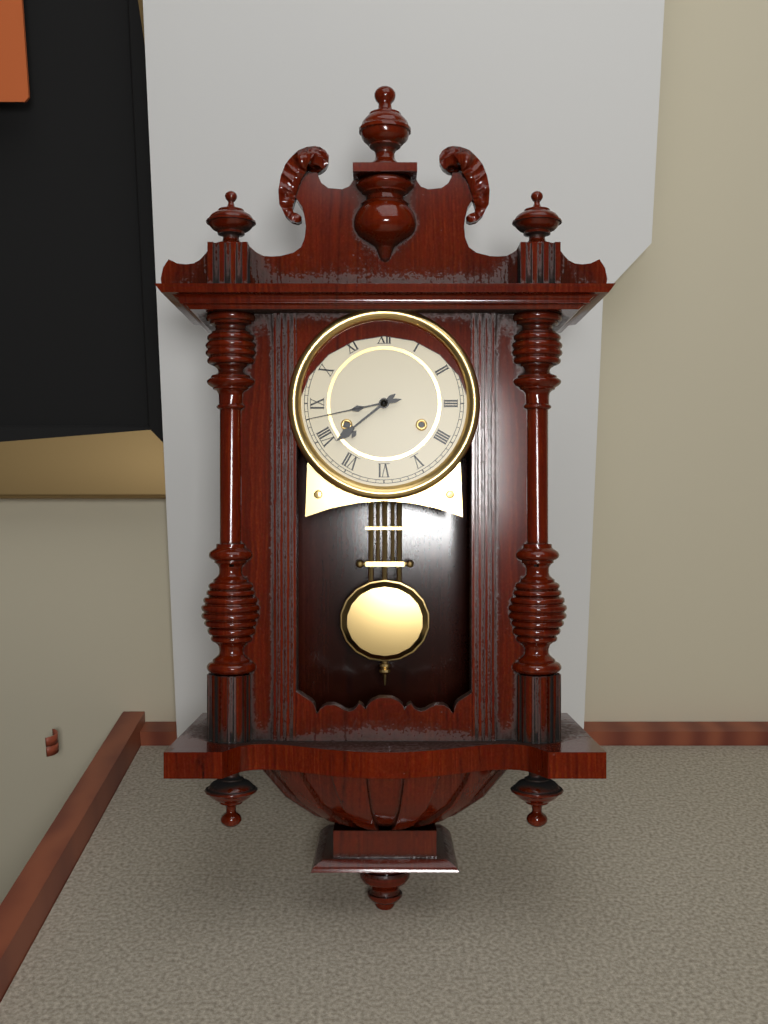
7:43
